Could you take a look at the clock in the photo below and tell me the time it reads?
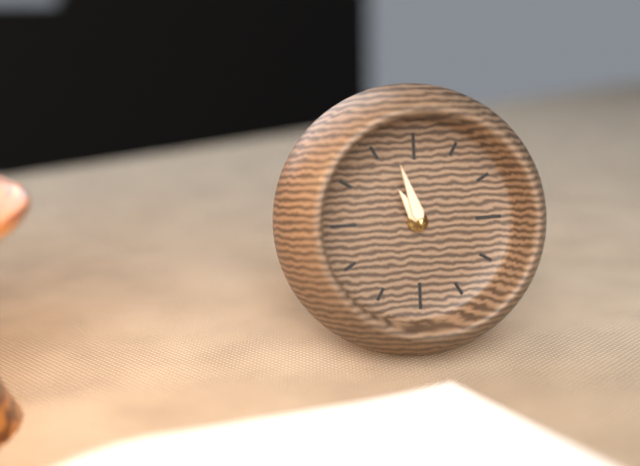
10:57
